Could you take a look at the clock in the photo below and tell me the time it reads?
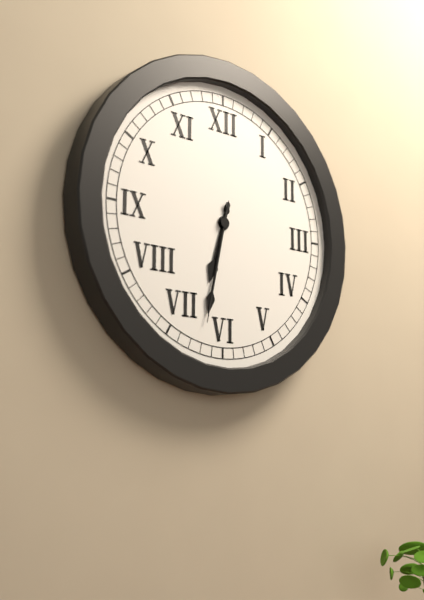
6:32:32
